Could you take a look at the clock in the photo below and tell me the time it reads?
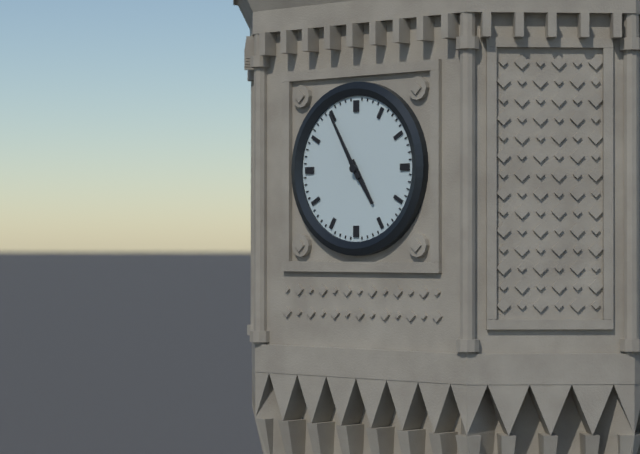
4:55
